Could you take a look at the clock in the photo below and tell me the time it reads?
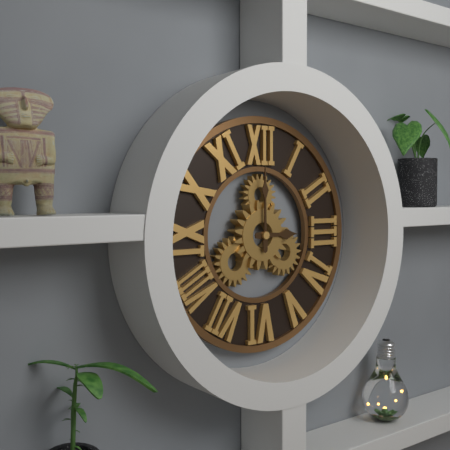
3:00
